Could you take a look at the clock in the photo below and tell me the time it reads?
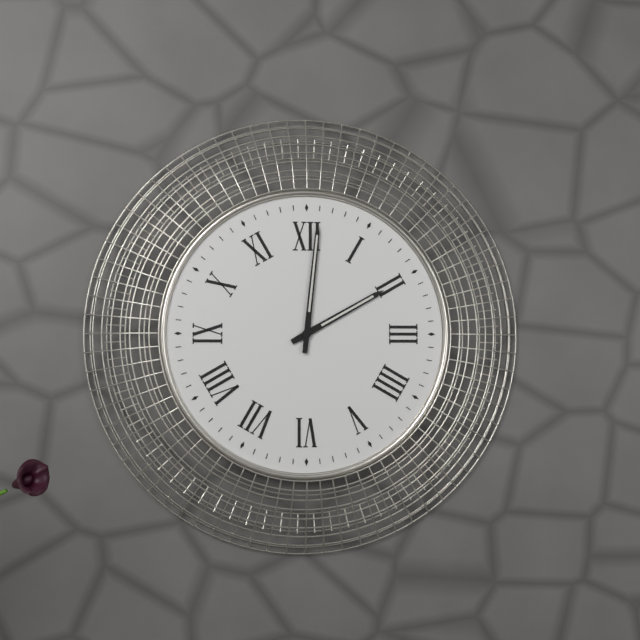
2:01
